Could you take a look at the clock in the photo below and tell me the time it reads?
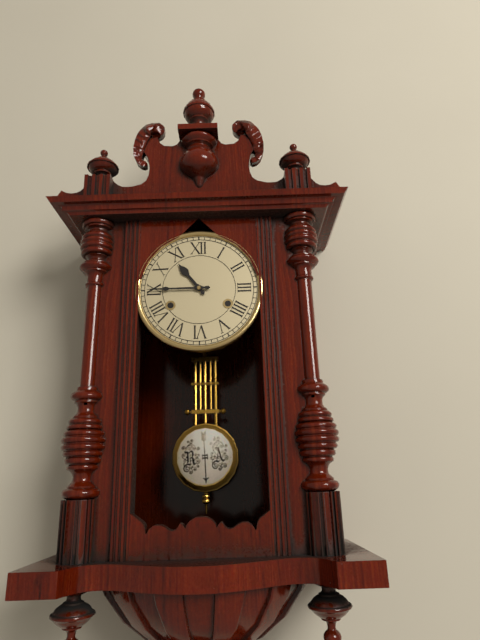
10:45
